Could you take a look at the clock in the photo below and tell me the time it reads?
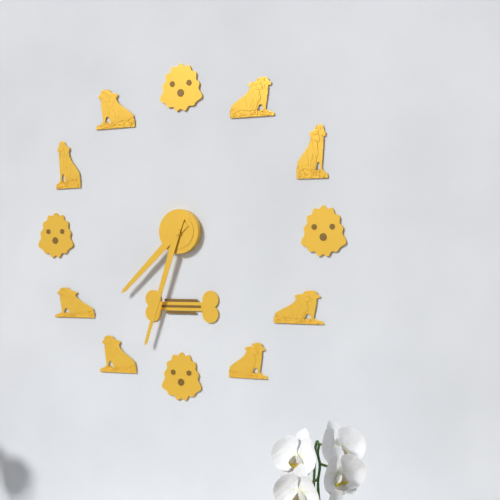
7:33
